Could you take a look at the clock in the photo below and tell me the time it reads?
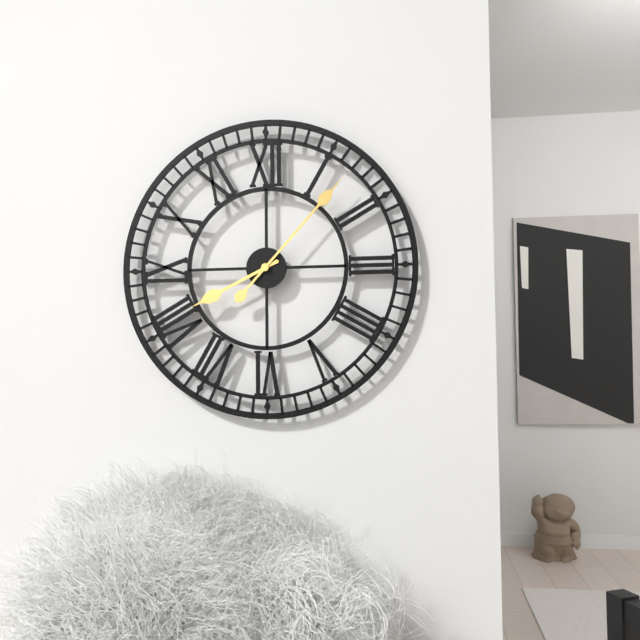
8:07
